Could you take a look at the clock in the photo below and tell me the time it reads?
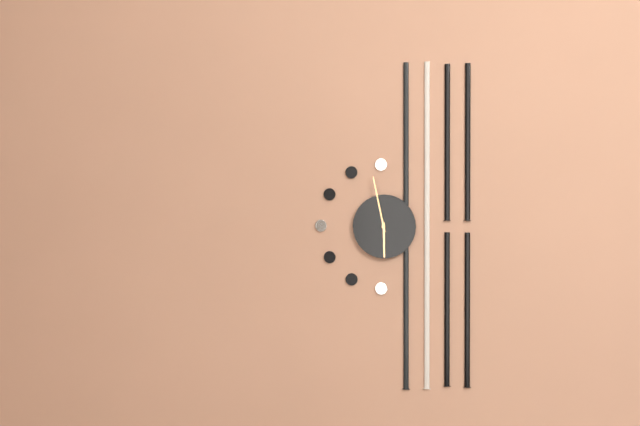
5:58
